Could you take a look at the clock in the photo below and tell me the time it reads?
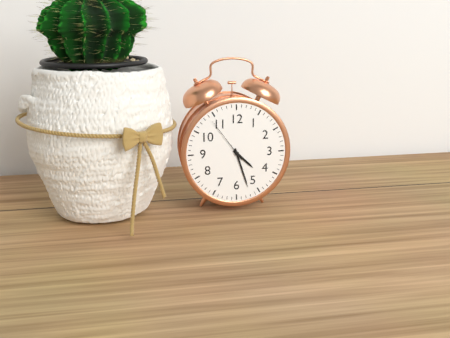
4:27:54
